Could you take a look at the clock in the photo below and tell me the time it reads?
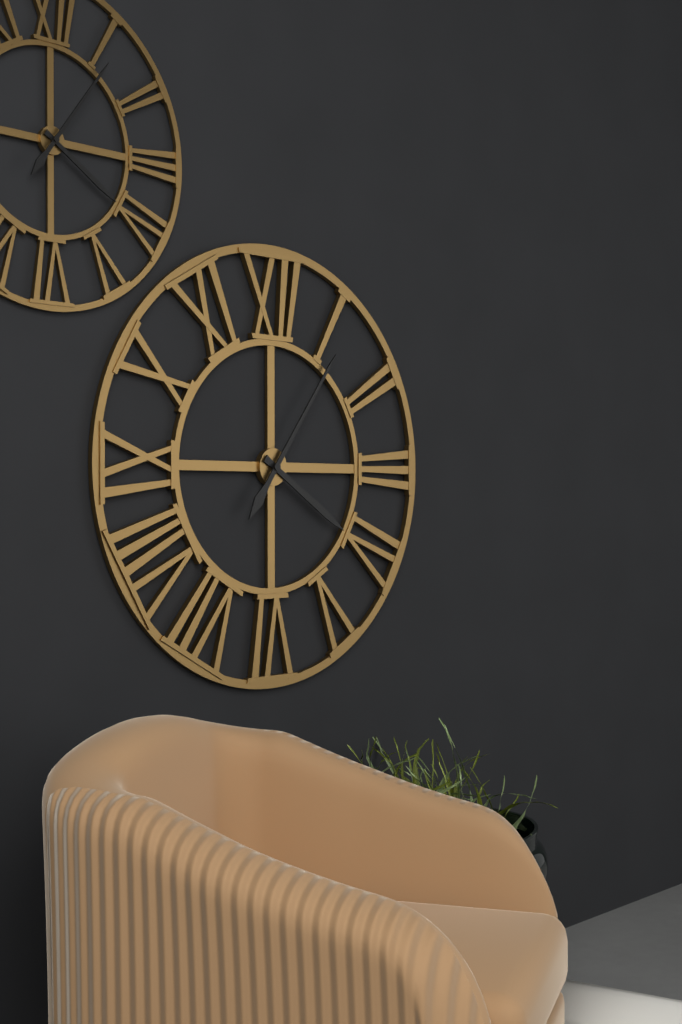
4:06
